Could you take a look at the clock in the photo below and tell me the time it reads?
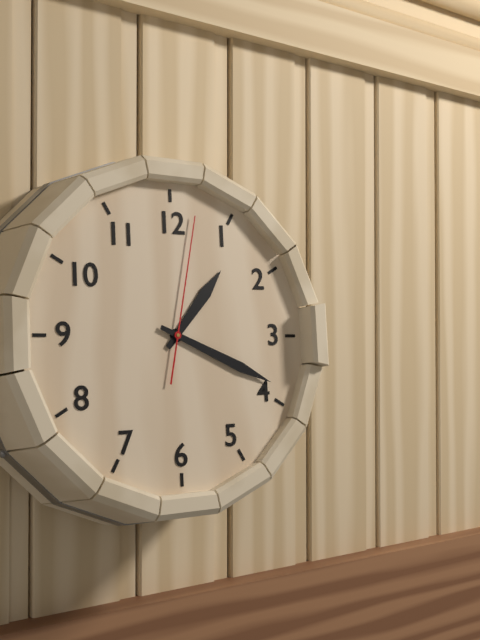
1:19:02
